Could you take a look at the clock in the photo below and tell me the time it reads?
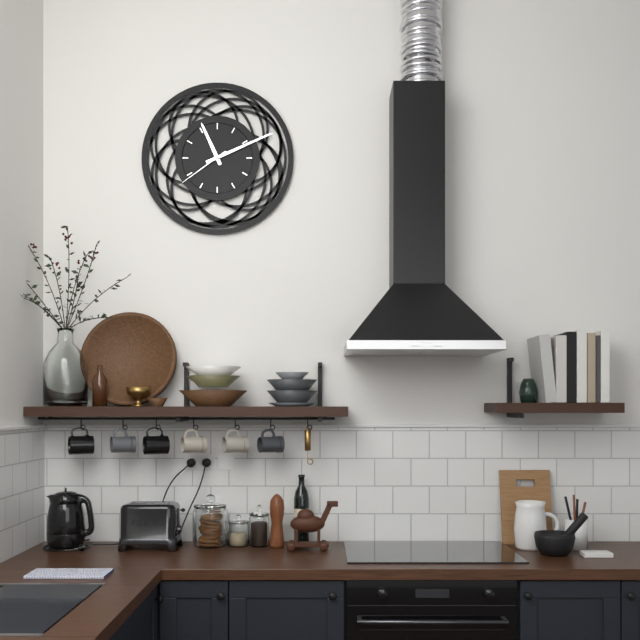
11:11:39
